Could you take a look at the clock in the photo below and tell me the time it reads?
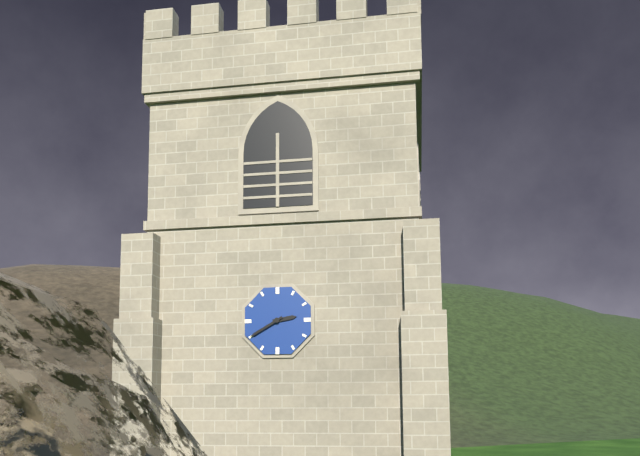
2:40
